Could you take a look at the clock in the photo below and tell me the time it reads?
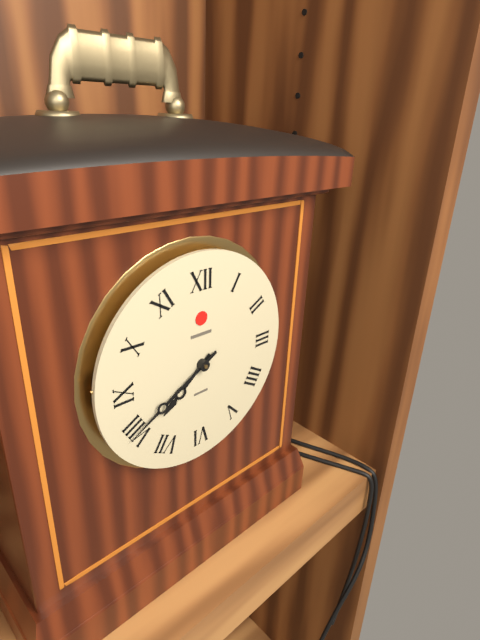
7:40
